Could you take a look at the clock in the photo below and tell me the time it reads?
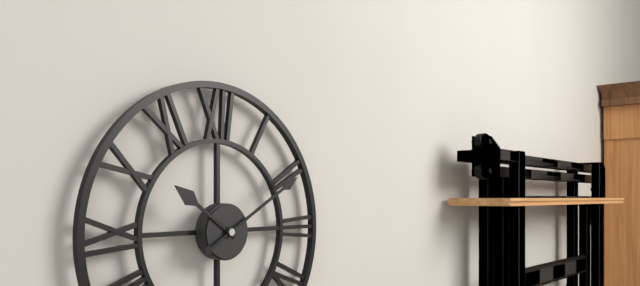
10:10
